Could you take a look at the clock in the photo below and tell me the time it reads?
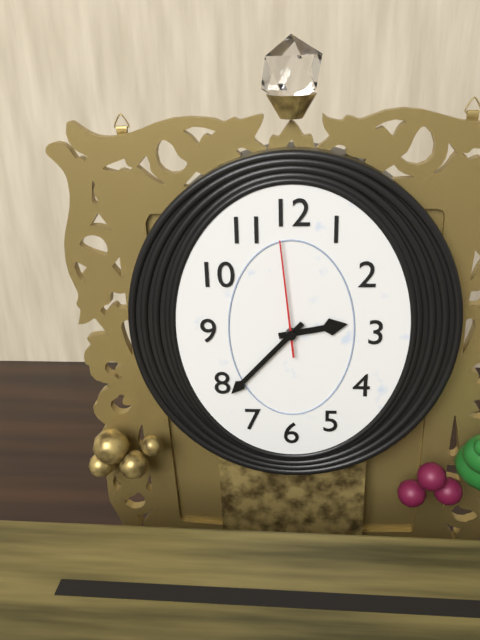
2:37:59
